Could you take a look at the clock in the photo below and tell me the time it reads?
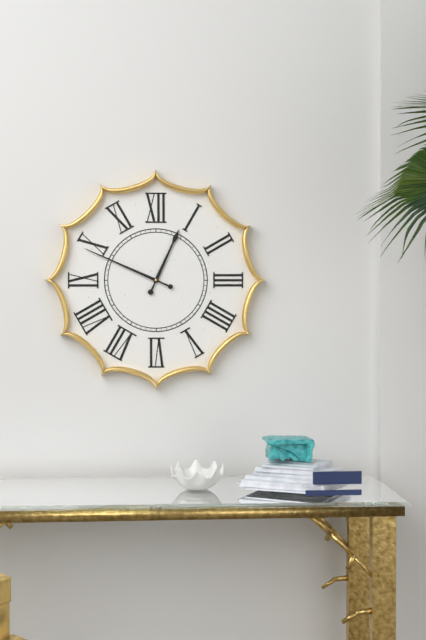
12:49
